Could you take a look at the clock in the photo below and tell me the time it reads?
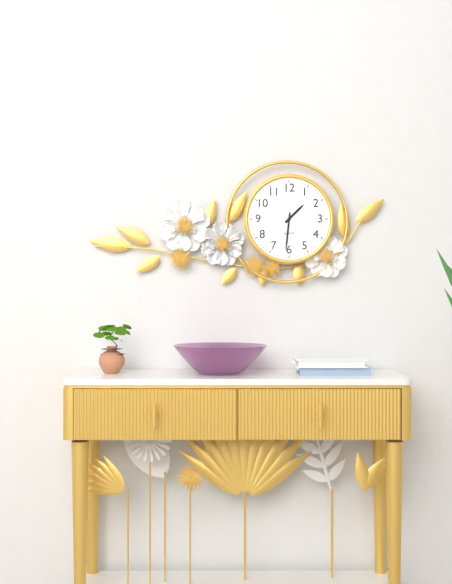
1:31
